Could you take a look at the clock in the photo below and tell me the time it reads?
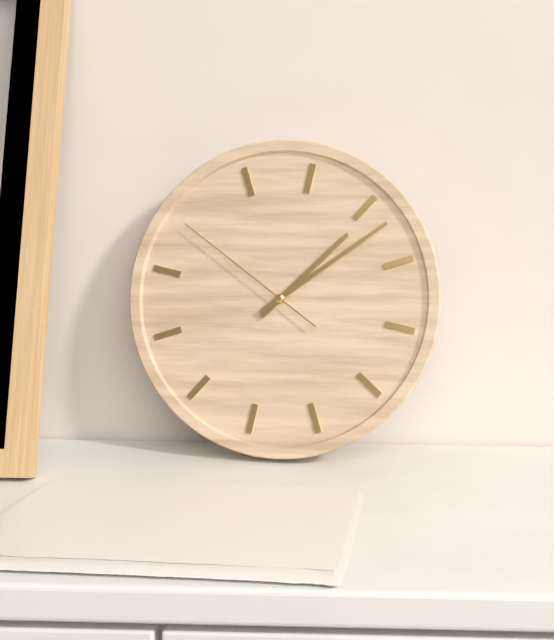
1:07:49
